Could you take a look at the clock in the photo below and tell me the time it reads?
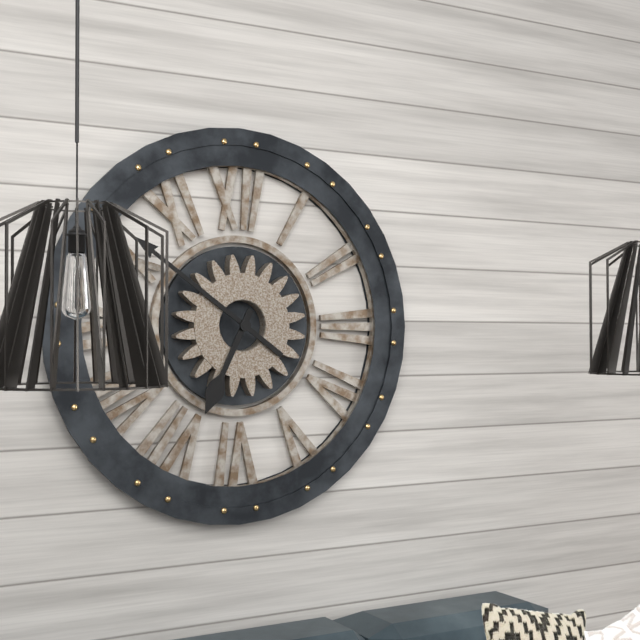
6:51
